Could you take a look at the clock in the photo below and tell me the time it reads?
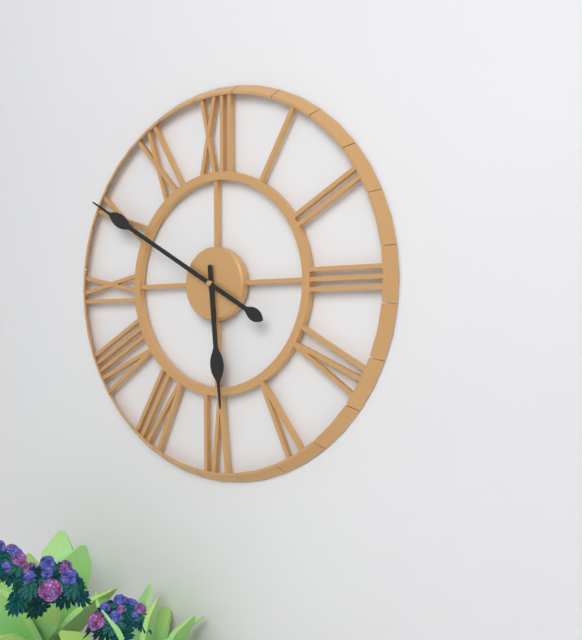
5:50
